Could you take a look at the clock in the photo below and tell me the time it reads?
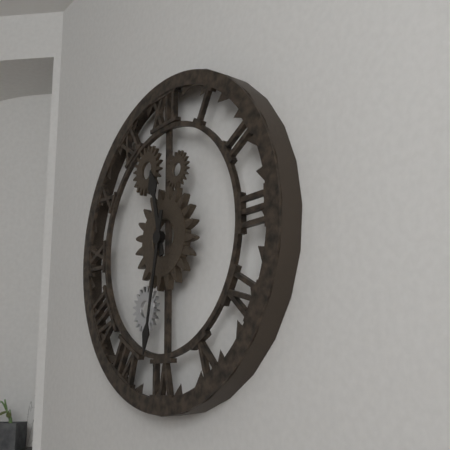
11:32
